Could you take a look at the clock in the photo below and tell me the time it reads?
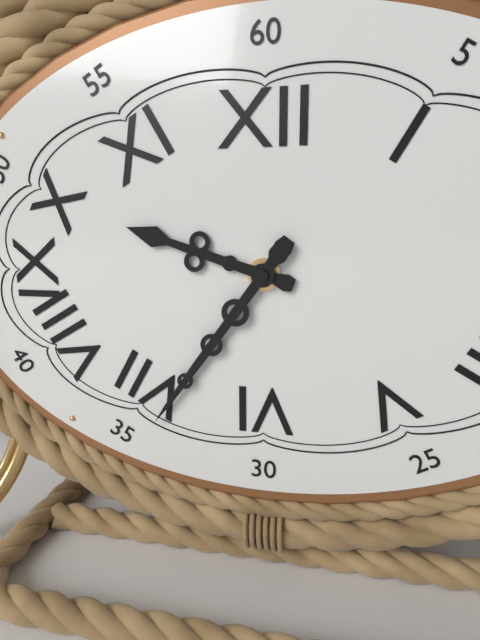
9:36
